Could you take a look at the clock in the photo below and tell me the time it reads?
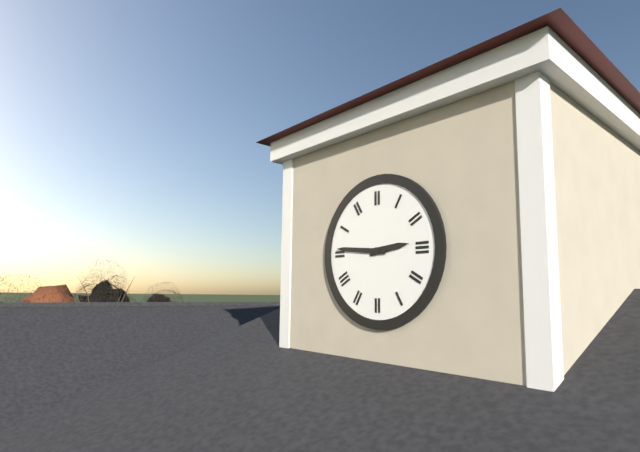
2:46
